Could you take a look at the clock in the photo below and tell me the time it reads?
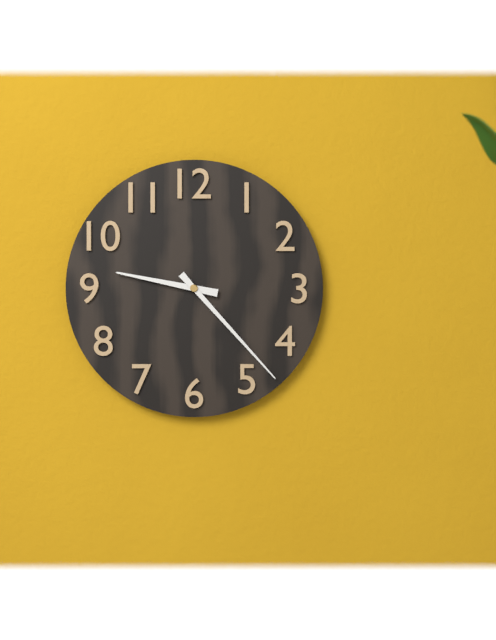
9:23
